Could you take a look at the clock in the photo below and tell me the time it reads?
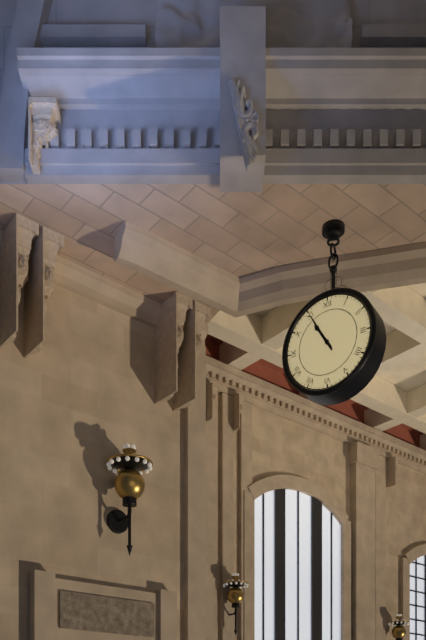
10:55
